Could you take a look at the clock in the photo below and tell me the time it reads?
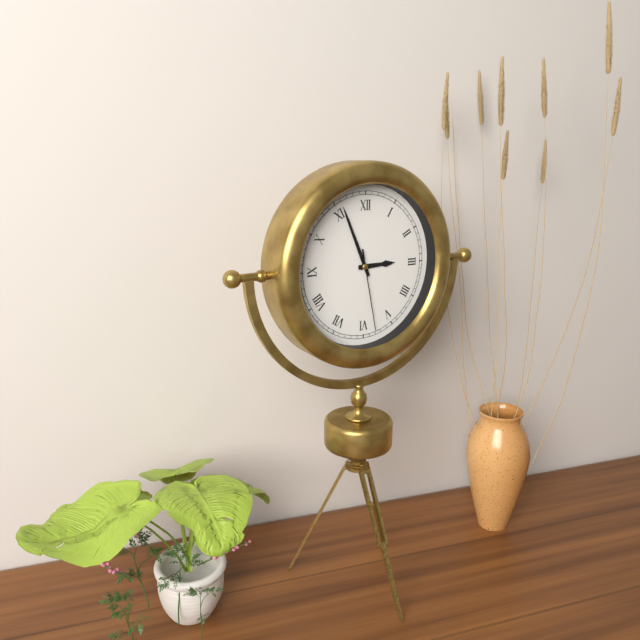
2:56:28
